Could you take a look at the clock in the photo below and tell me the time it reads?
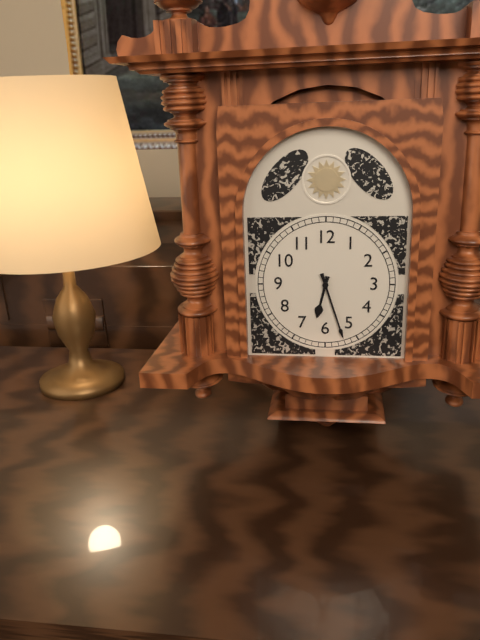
6:27
